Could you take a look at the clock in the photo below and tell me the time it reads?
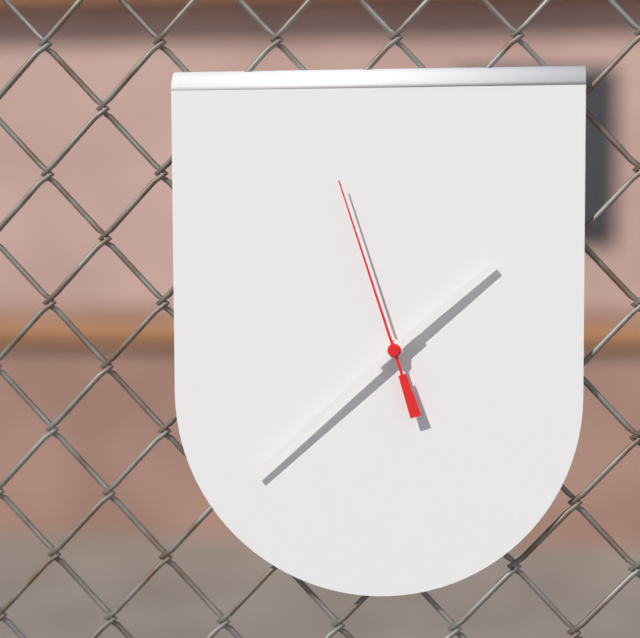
1:38:57
